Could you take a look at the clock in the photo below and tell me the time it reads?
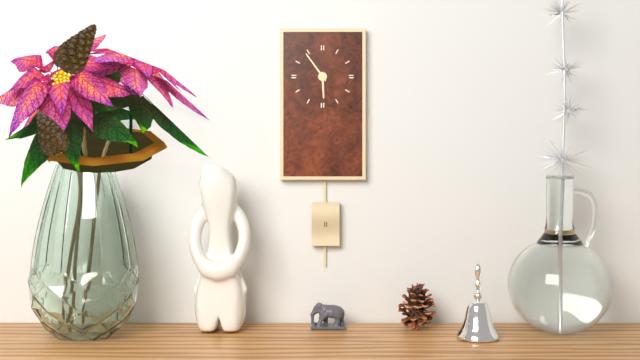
5:54
